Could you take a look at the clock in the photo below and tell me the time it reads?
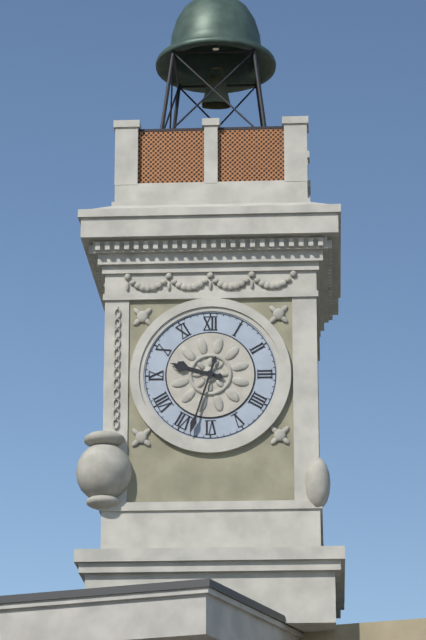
9:33
